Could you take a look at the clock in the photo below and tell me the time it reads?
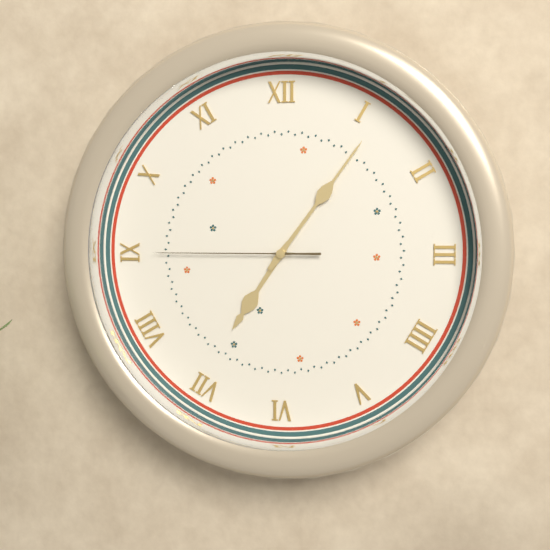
7:06:45
